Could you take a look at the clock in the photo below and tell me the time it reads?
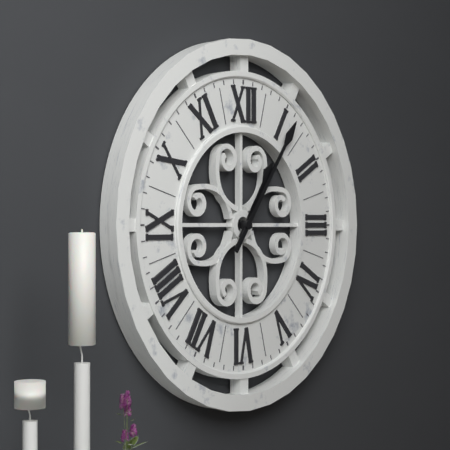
1:06
